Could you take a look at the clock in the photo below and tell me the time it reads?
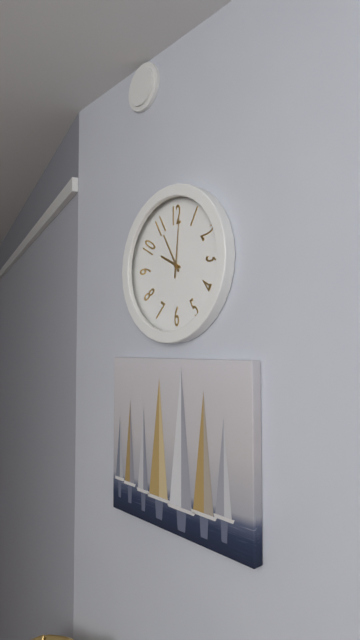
9:55:01
